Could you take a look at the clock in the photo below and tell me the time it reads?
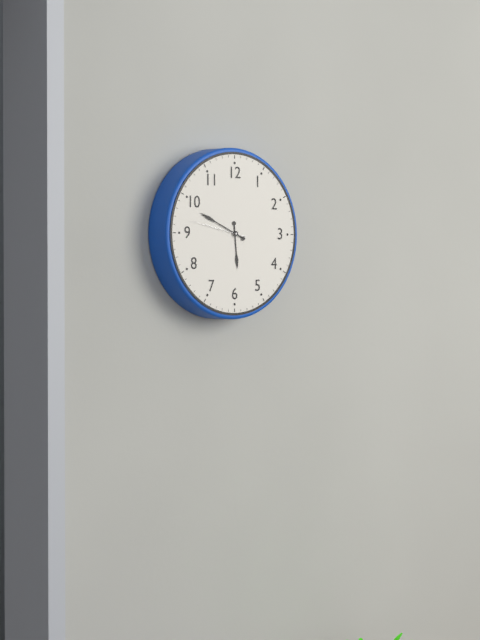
5:49:47
